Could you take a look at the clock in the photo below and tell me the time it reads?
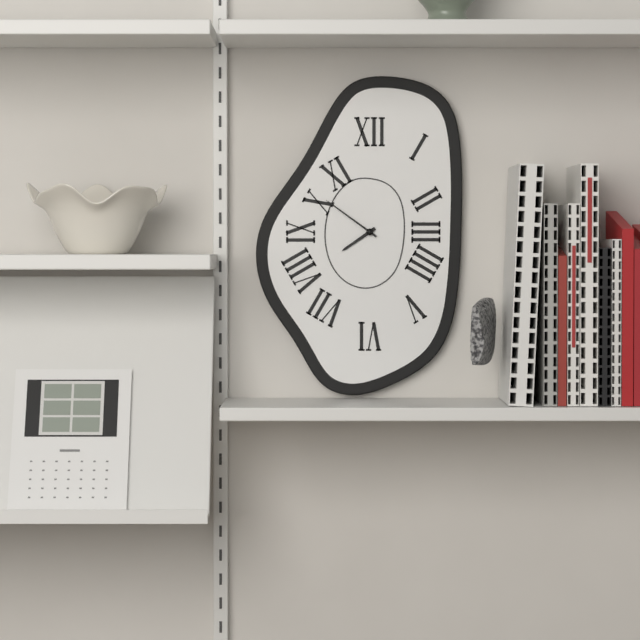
7:51
